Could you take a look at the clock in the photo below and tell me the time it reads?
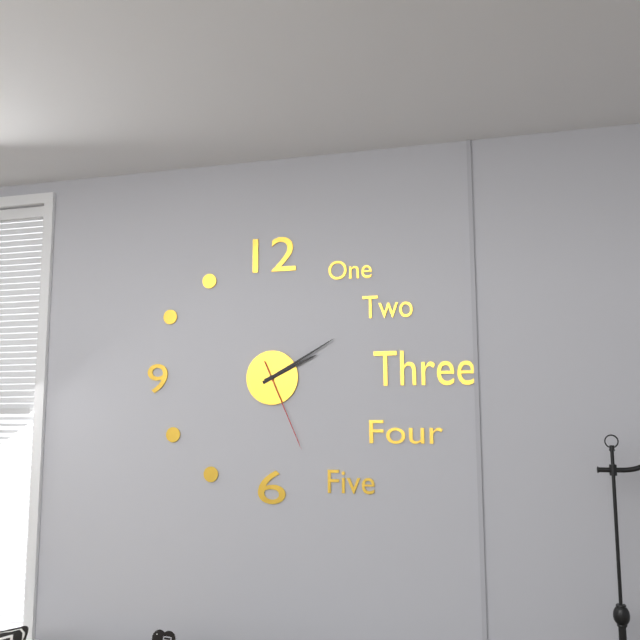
2:10:26
